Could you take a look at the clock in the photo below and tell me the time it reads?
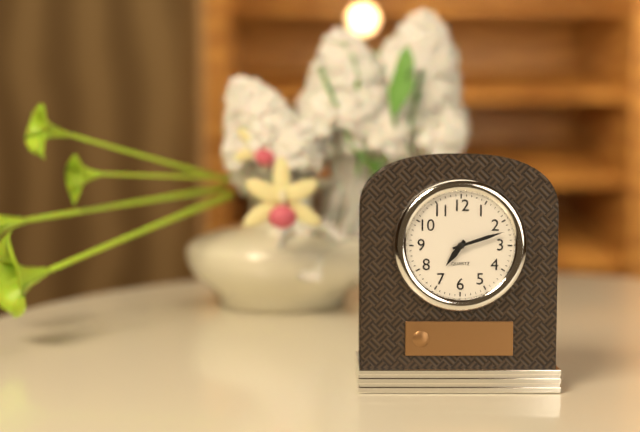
7:12
